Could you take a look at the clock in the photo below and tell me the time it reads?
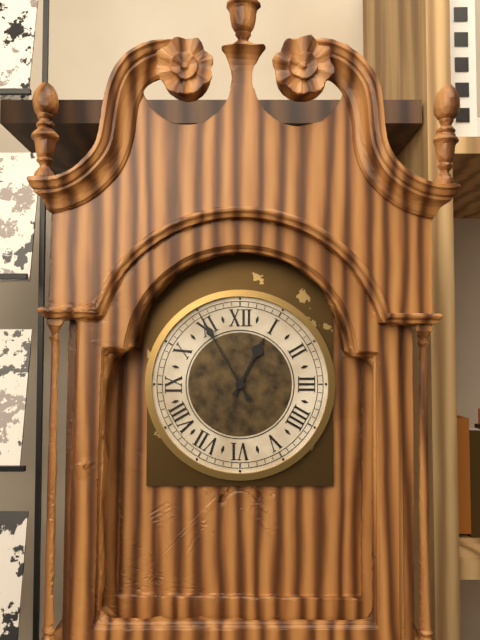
12:55
